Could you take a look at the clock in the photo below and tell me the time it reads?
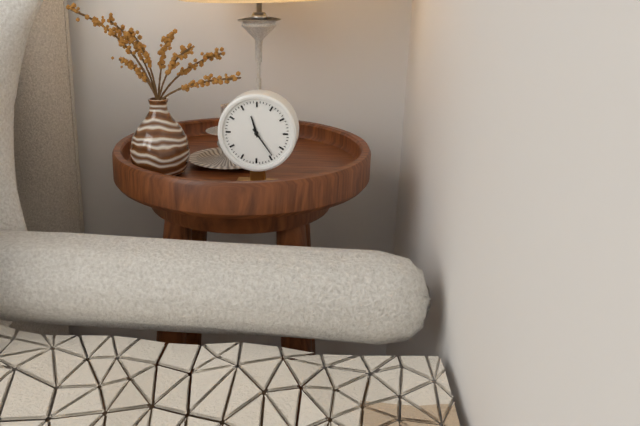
11:24
